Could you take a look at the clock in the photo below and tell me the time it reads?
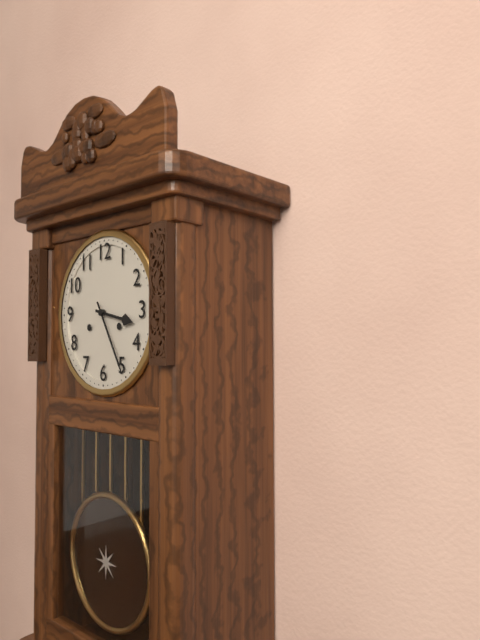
3:25
